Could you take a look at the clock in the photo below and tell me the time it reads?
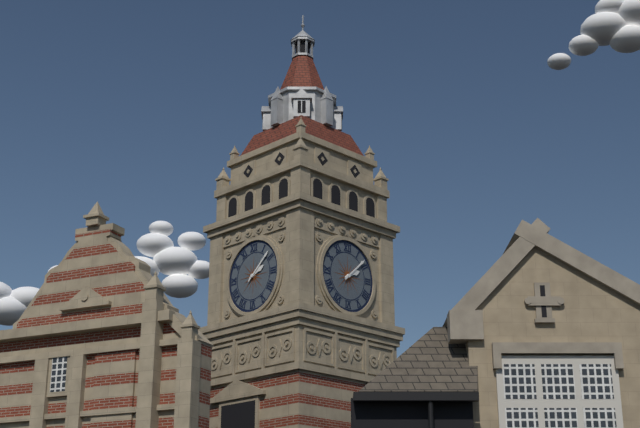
2:08
